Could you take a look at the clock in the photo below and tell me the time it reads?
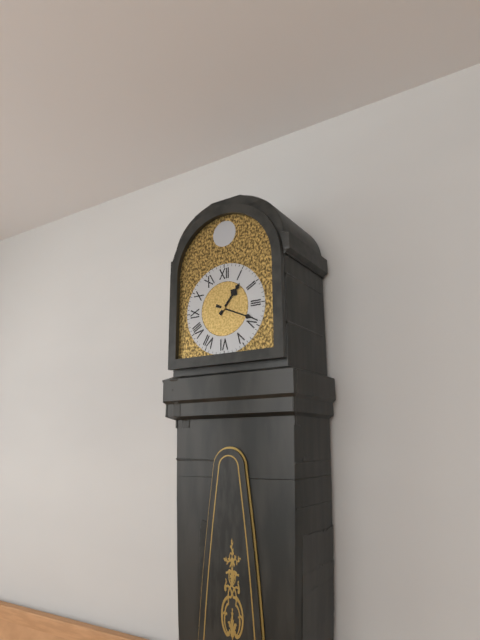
1:19
